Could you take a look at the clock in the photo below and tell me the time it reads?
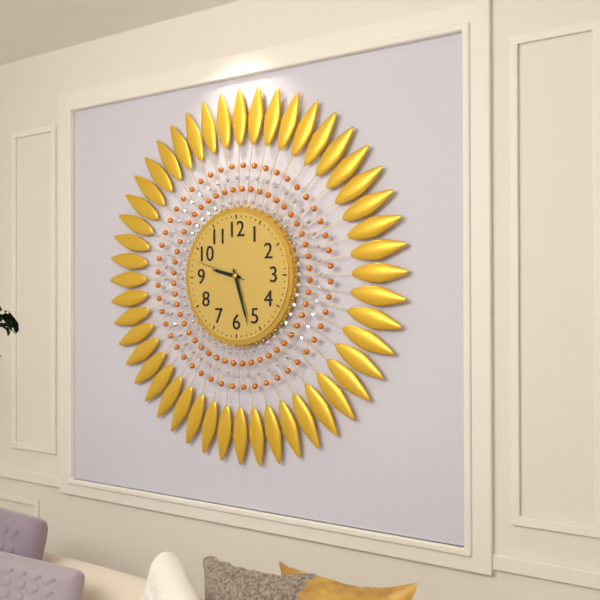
9:27:48
